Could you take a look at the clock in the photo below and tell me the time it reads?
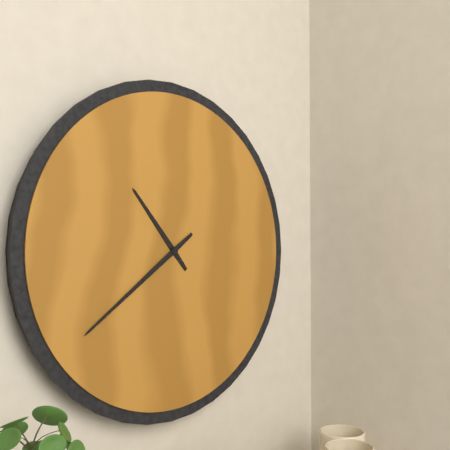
10:39
